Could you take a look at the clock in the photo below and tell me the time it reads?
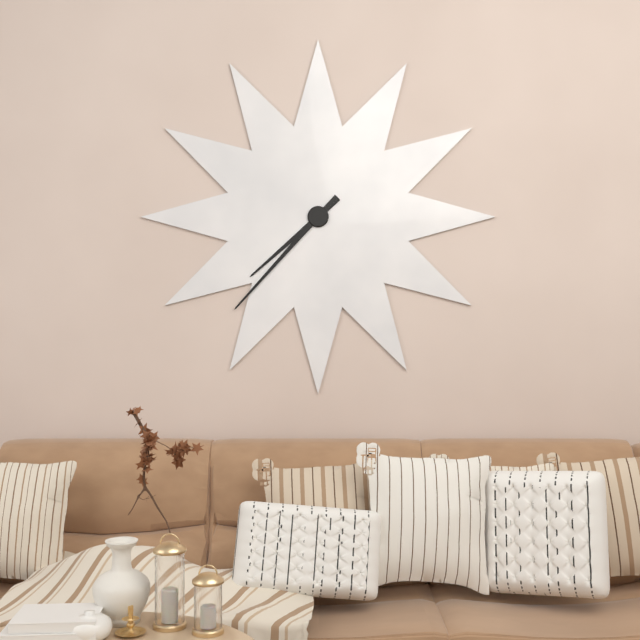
7:37
